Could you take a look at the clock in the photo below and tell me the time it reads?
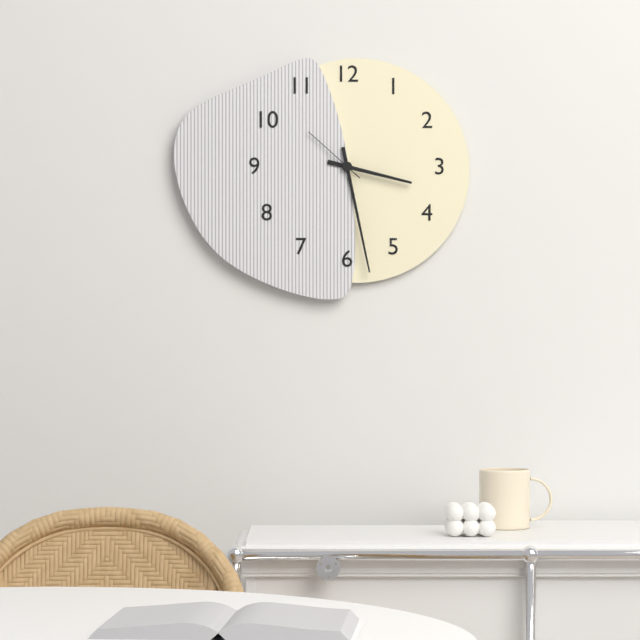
3:28:52
